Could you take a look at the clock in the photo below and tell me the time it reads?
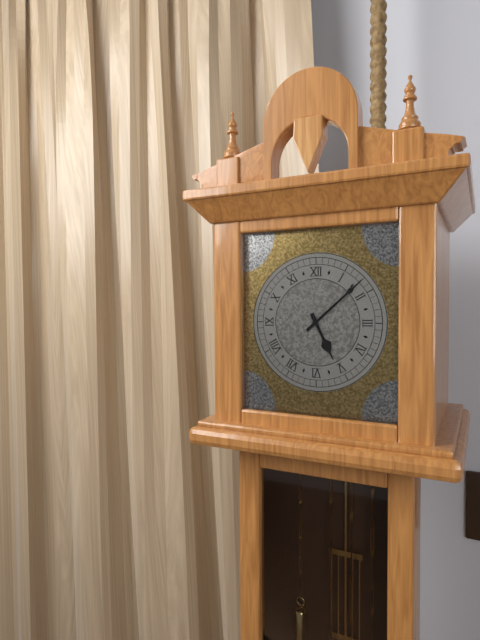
5:08
